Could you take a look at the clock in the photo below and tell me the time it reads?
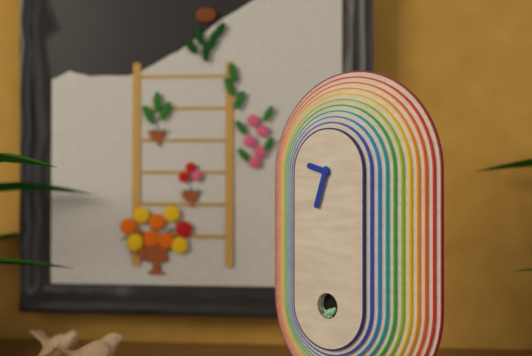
9:33
